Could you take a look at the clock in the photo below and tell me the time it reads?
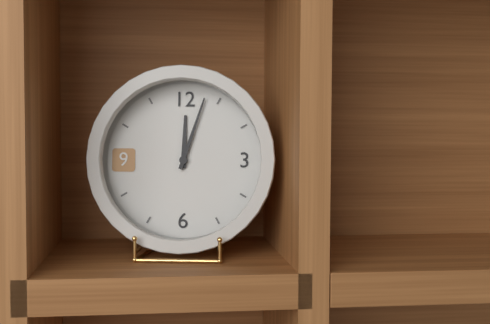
12:03
